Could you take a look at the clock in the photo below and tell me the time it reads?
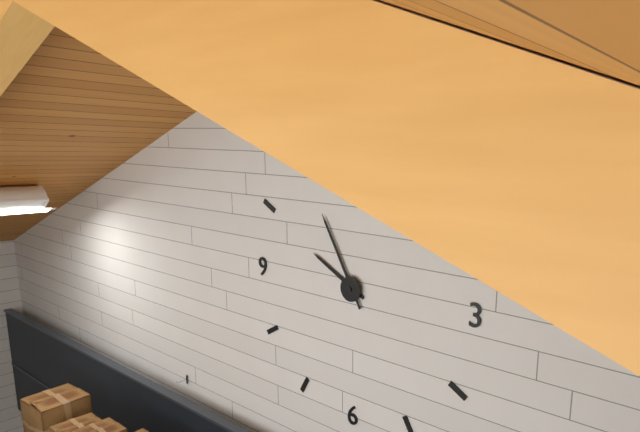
9:55
